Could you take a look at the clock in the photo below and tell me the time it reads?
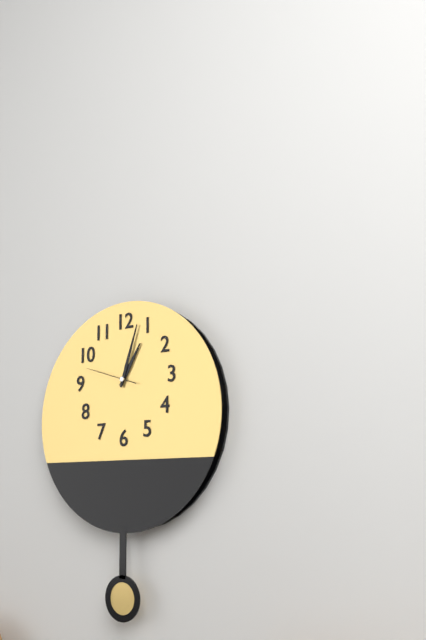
1:03
